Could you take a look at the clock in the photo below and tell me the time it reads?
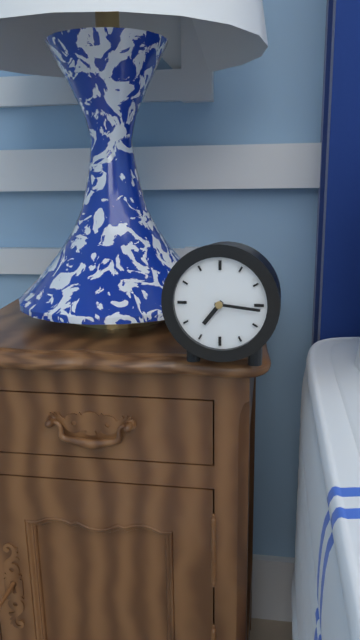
7:16
